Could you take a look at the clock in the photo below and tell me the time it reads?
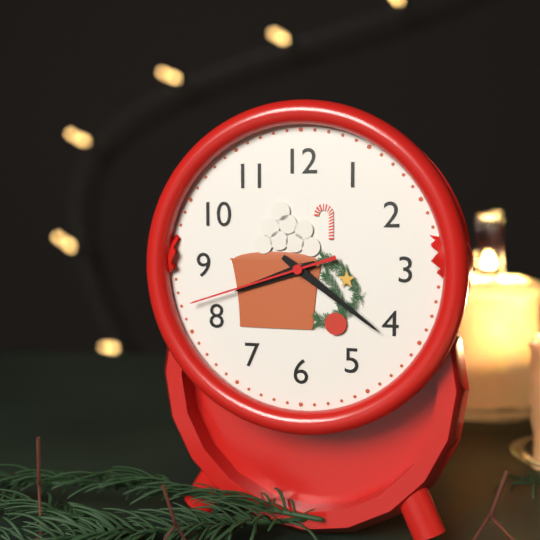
8:21:42
